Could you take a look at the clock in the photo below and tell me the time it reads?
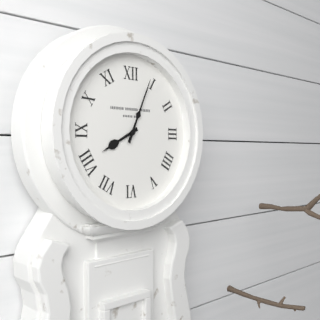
8:04
